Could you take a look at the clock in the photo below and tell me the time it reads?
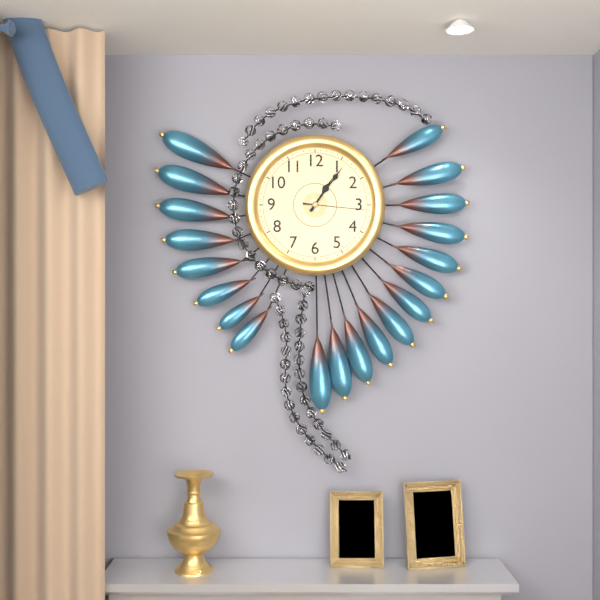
1:06:16
